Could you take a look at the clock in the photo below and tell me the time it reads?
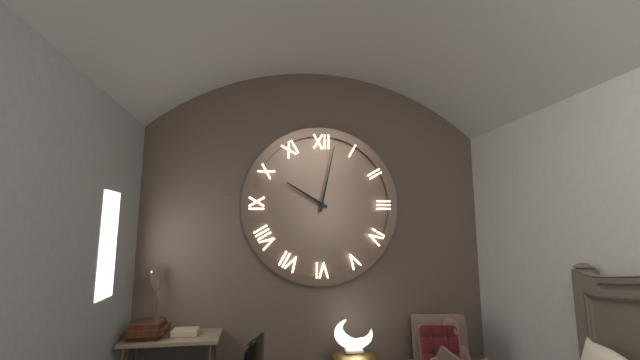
10:02
